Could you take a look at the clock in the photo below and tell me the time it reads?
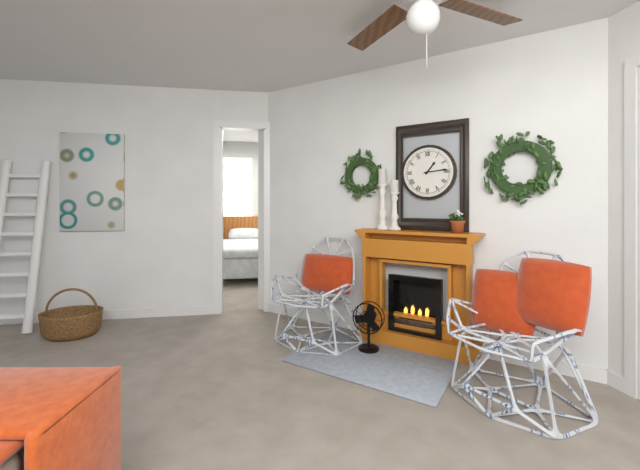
1:14
